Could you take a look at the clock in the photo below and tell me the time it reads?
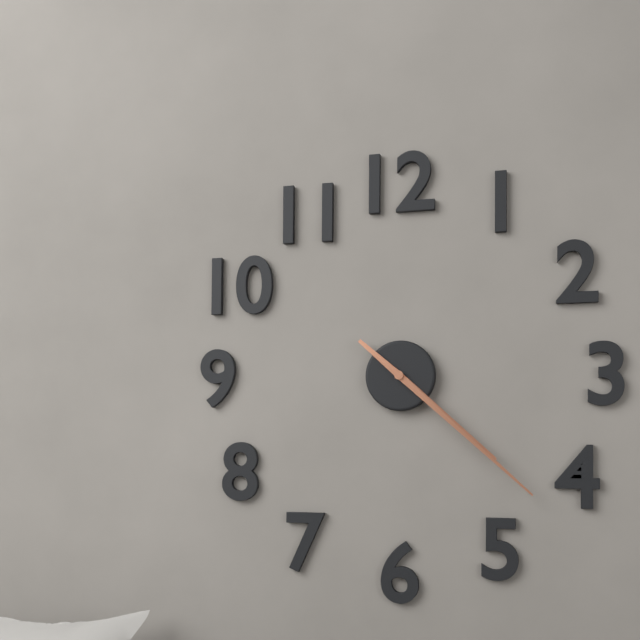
4:22
